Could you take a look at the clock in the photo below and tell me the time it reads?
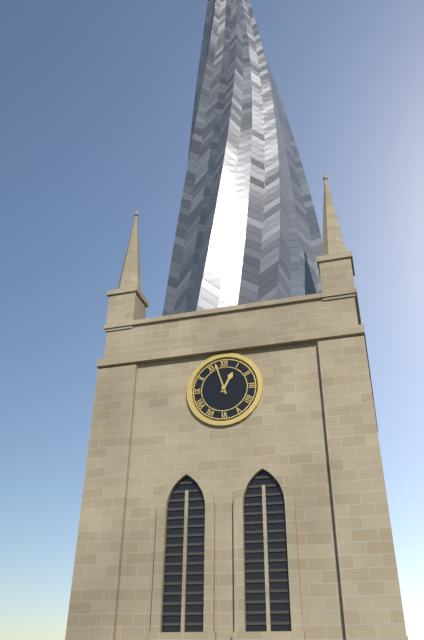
12:57
